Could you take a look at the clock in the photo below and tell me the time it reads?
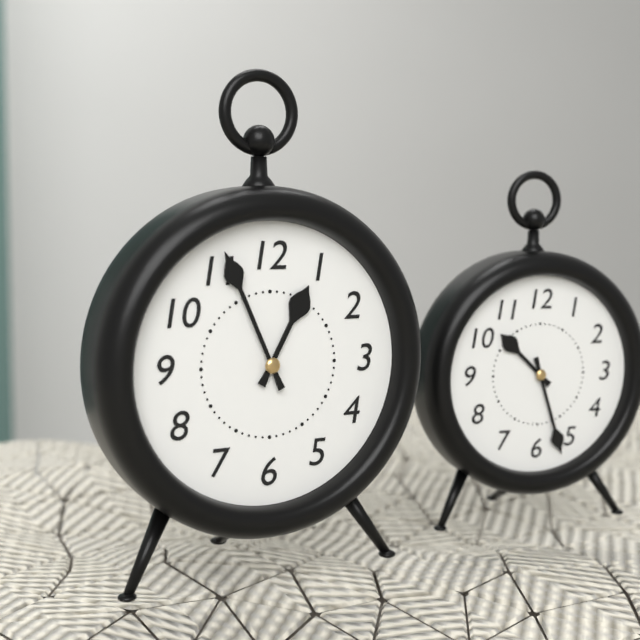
12:56
